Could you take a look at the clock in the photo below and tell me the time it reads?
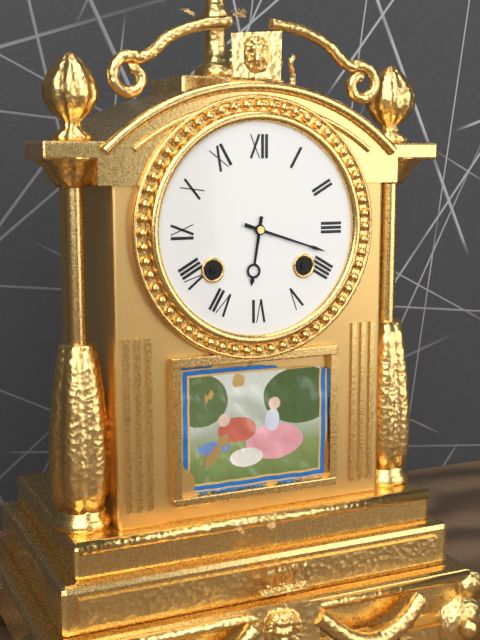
6:18
